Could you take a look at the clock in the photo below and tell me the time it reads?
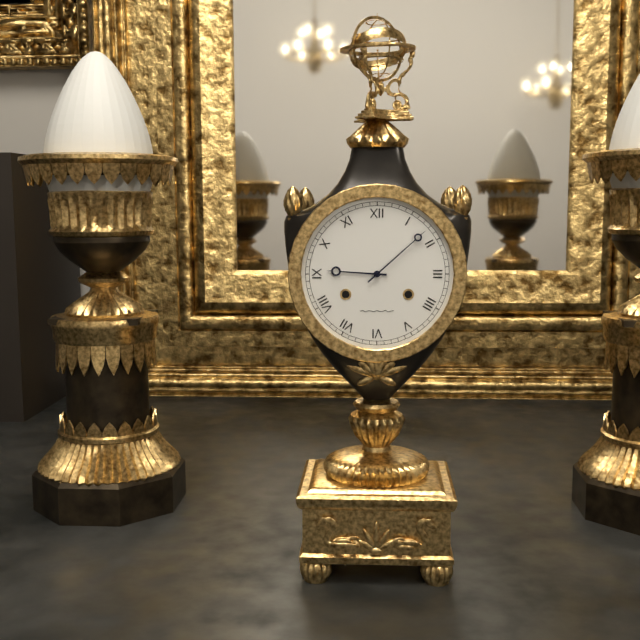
9:08
